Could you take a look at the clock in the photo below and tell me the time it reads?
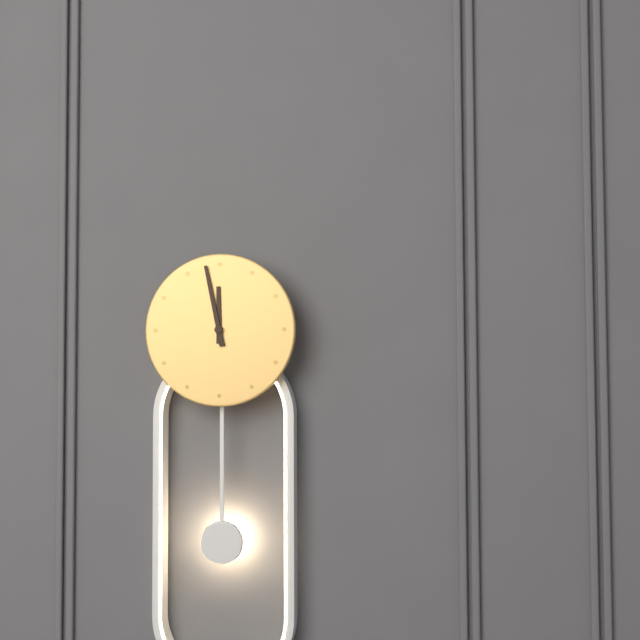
11:58
